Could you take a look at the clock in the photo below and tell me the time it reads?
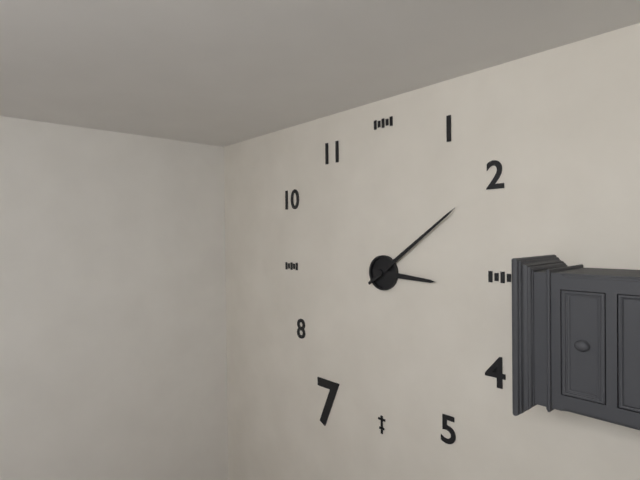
3:09
